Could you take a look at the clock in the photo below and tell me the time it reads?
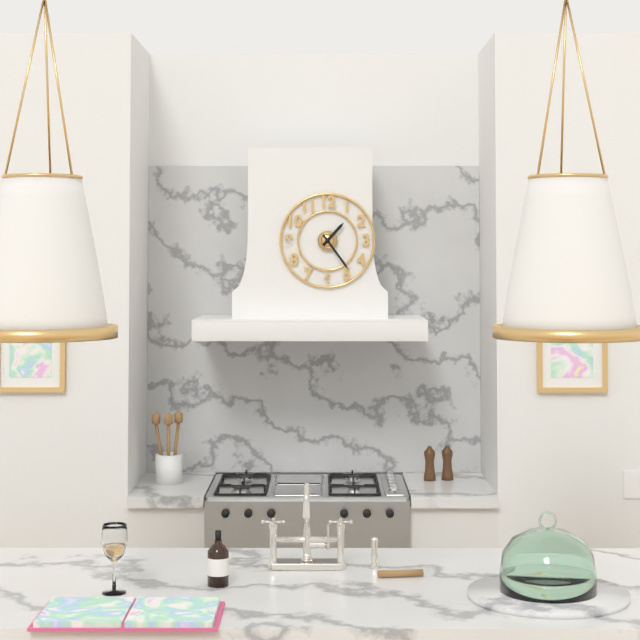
1:24
